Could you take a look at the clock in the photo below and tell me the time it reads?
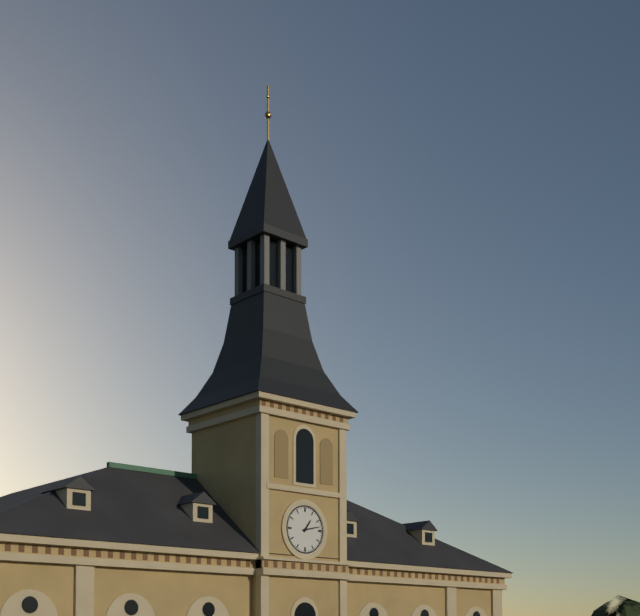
1:13
